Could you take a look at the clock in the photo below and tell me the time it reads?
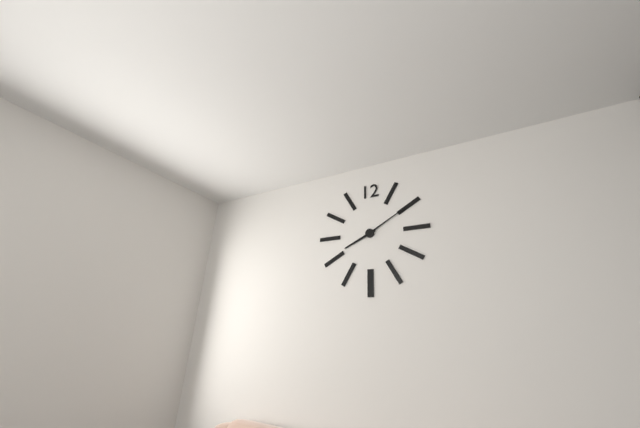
8:10
